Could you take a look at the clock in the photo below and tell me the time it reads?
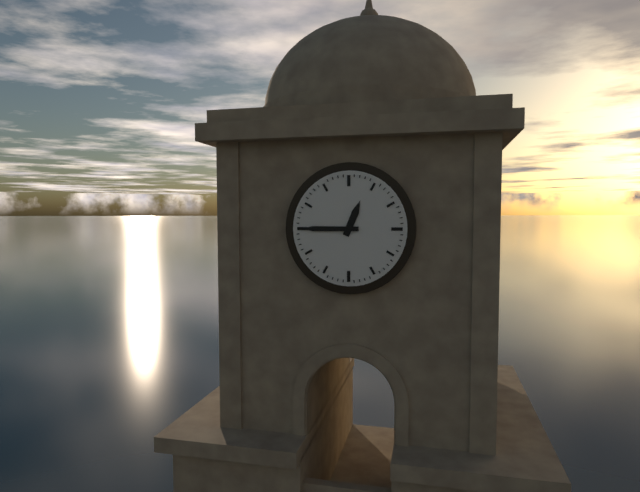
12:45
